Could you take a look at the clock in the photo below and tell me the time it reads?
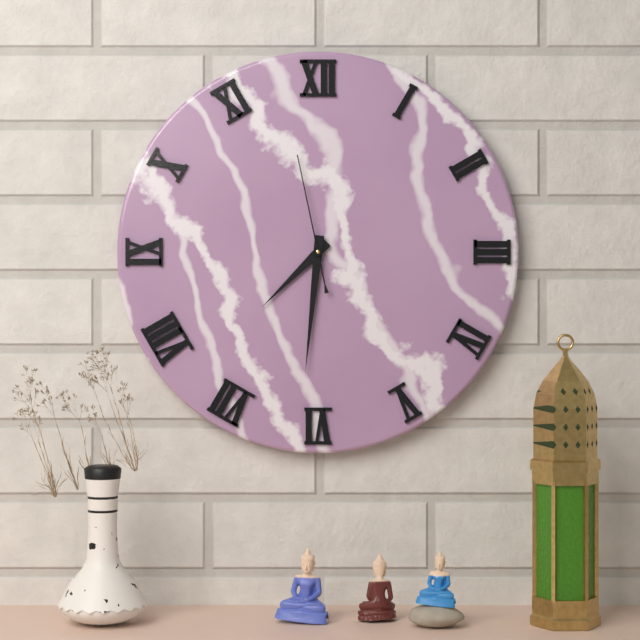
7:31:58
